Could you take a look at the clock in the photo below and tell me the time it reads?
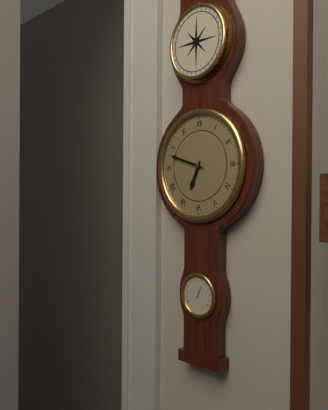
6:48
